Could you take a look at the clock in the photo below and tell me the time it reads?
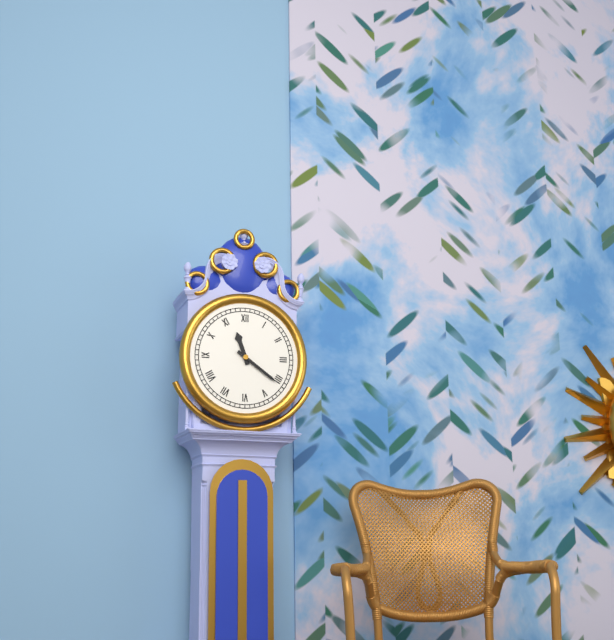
11:21
